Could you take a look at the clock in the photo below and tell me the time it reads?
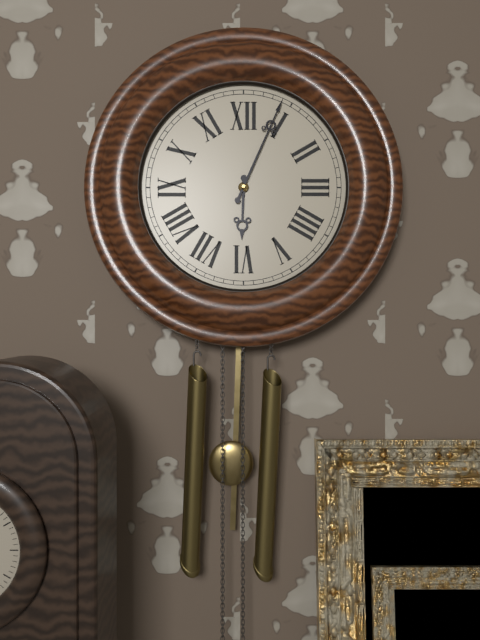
6:04
